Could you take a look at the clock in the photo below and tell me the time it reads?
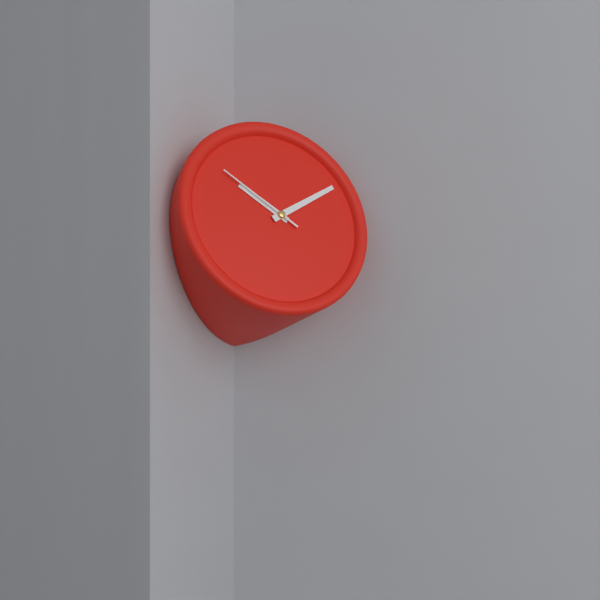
10:10:51
